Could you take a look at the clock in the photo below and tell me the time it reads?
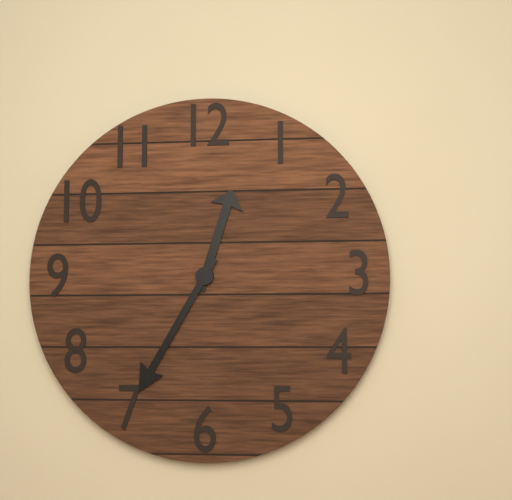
12:35
